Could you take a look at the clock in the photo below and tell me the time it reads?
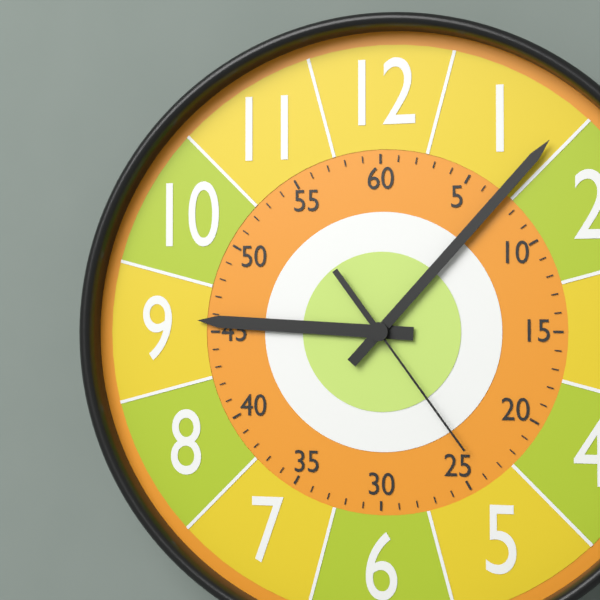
9:07:24
